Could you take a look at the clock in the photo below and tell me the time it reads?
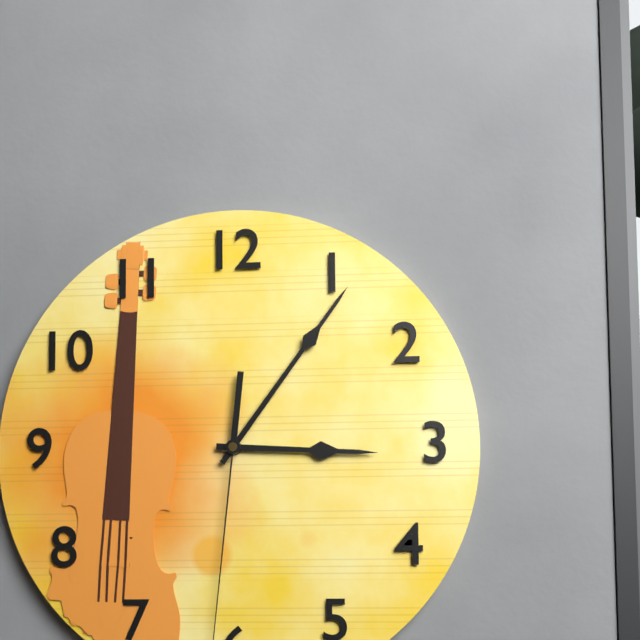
3:06
